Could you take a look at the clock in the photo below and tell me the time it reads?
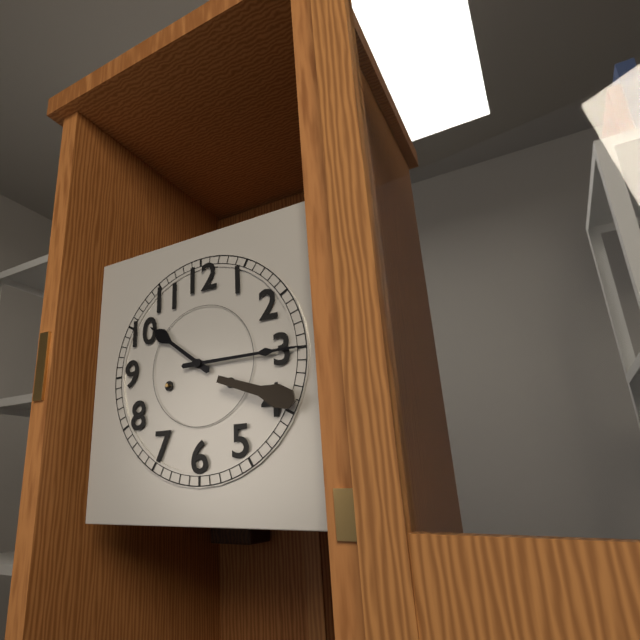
10:15
